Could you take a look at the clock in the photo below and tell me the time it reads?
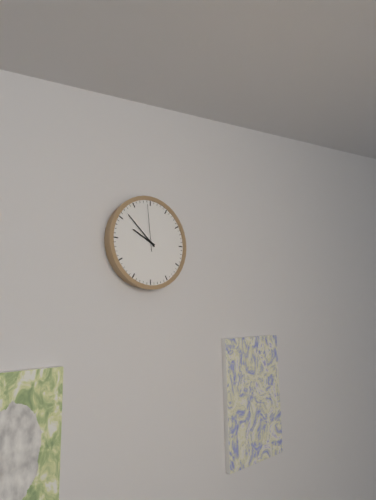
9:52
